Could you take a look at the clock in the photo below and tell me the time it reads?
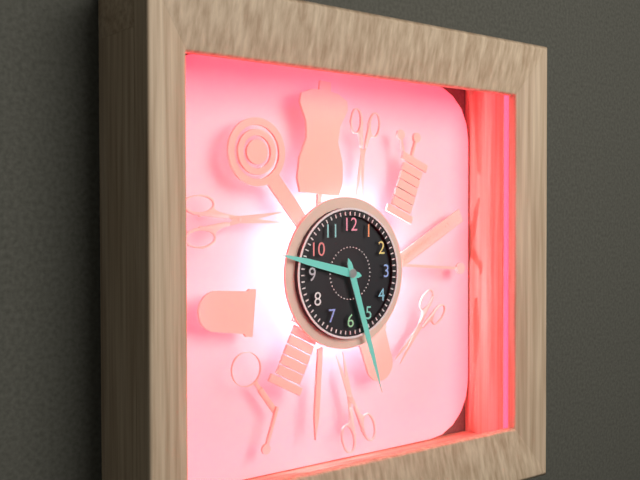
9:27
